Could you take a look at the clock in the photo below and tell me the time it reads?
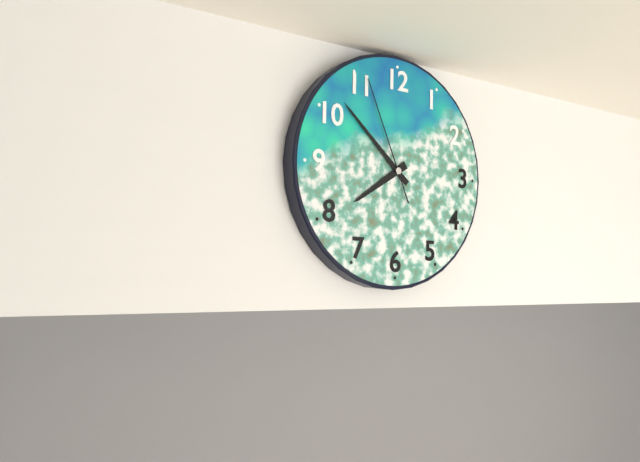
7:52:56
